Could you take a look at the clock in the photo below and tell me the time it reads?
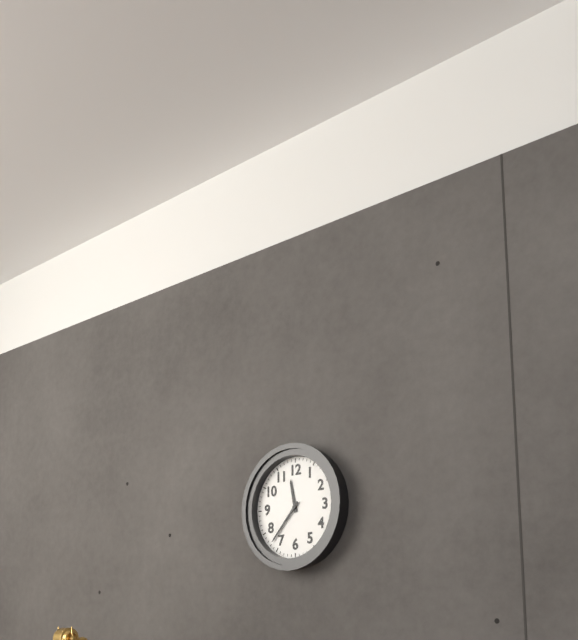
11:37
